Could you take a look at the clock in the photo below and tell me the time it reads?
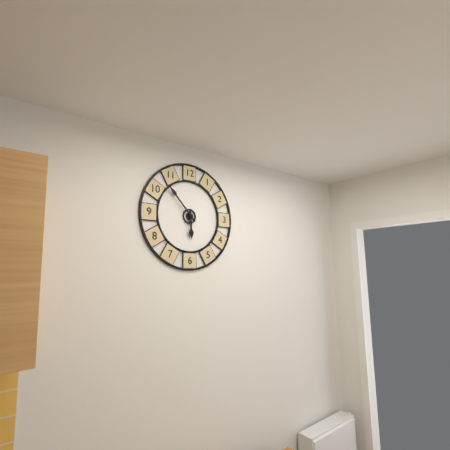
5:53
